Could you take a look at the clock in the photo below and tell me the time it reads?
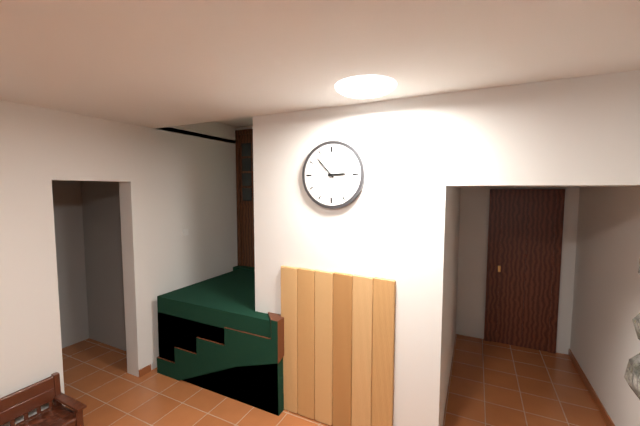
2:53
